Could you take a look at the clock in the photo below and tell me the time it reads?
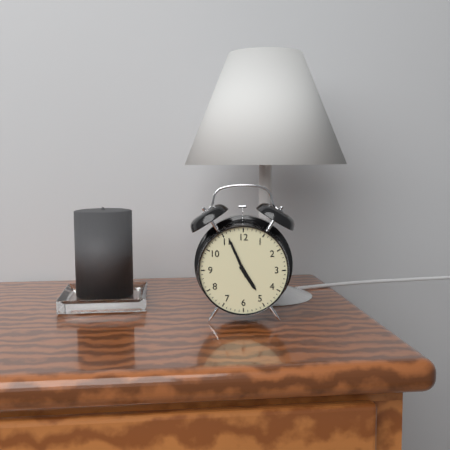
4:56
